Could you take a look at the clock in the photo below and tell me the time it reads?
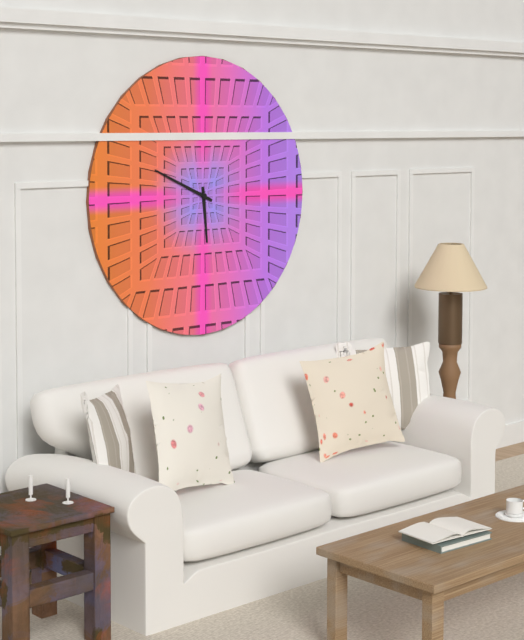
5:49
